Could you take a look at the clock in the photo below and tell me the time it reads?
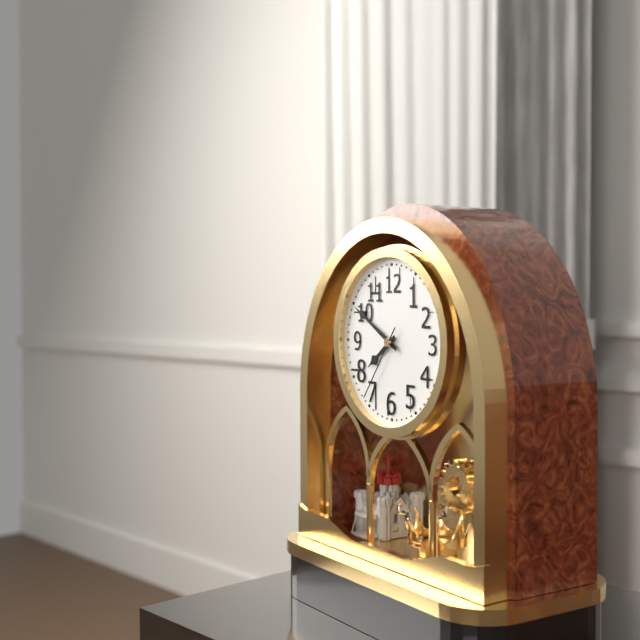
7:50:36
